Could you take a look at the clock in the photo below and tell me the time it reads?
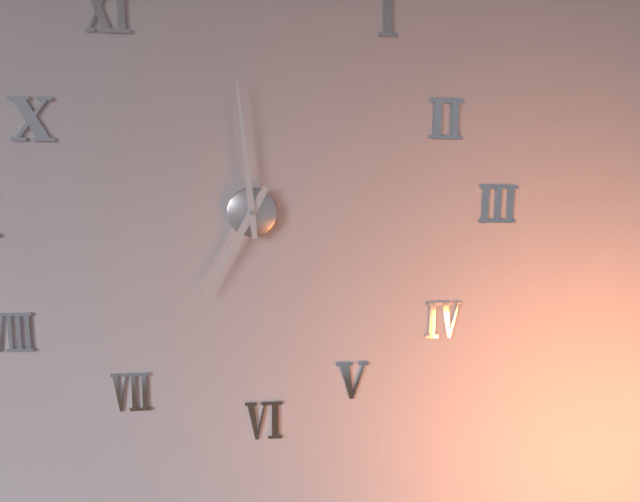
6:59
